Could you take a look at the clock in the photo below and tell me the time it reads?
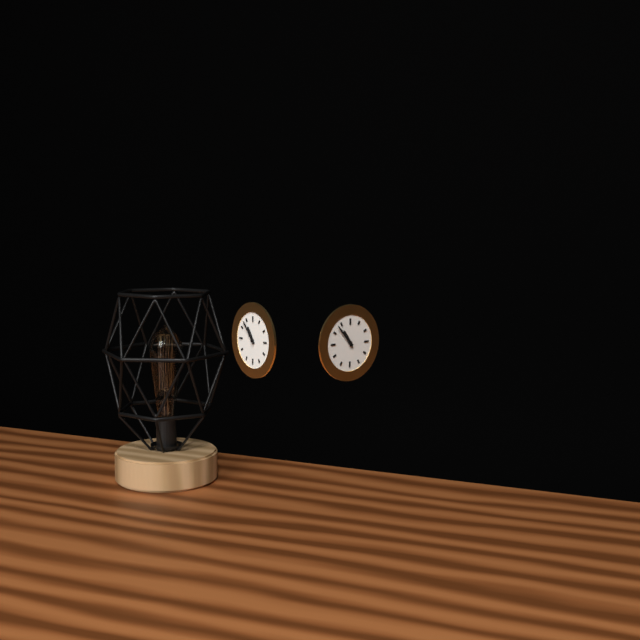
10:53
